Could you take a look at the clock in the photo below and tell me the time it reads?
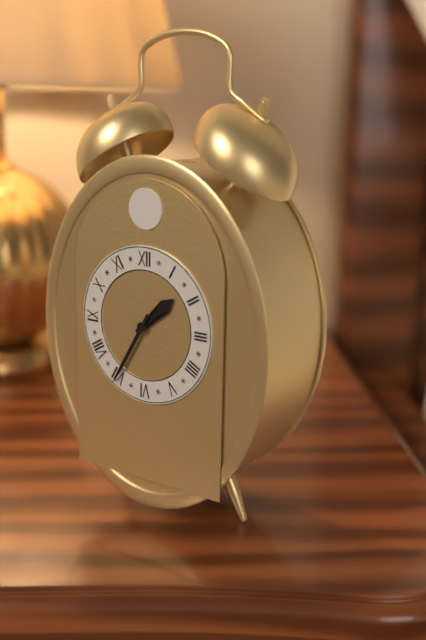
1:35
